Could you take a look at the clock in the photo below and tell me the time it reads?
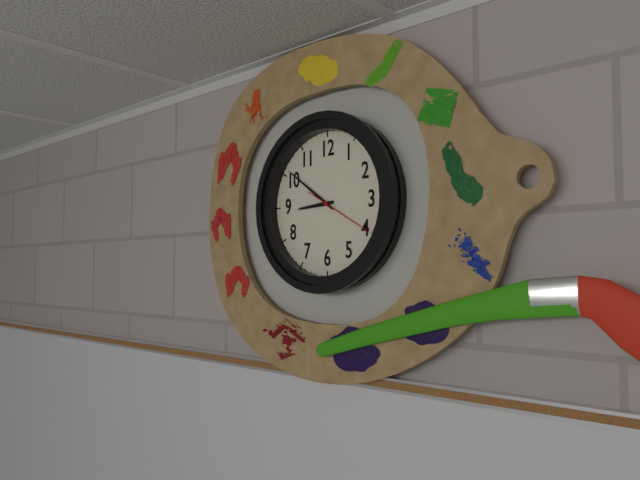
8:51:20
